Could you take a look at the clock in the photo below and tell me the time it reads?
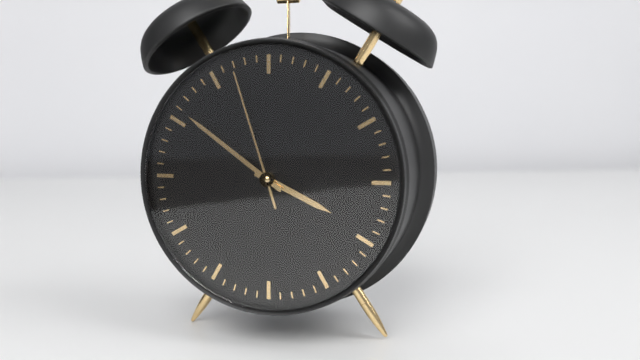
3:51:57
